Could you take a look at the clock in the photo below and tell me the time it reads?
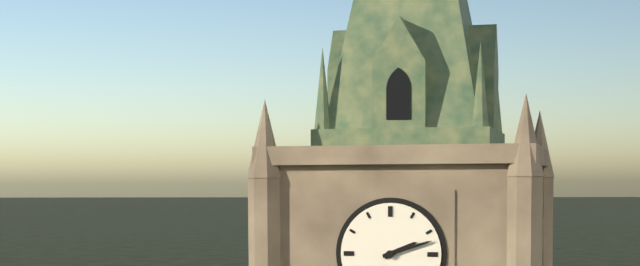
2:12
